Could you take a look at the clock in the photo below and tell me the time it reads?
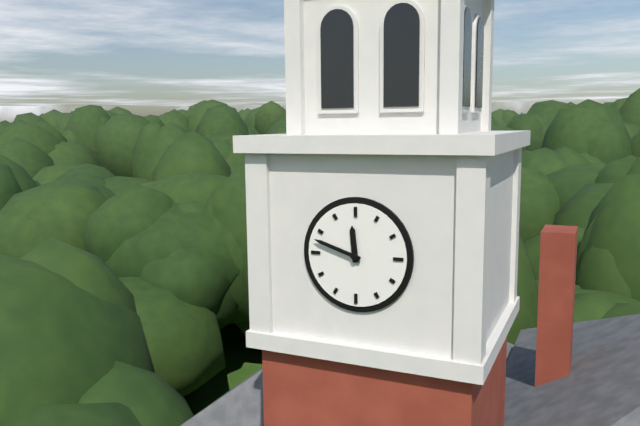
11:48
